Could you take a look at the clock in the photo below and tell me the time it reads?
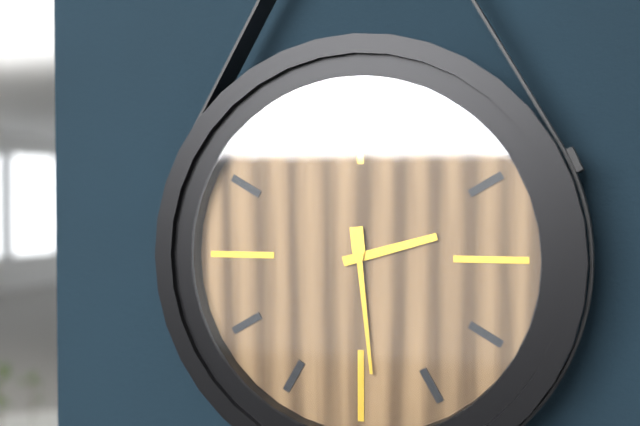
2:29
